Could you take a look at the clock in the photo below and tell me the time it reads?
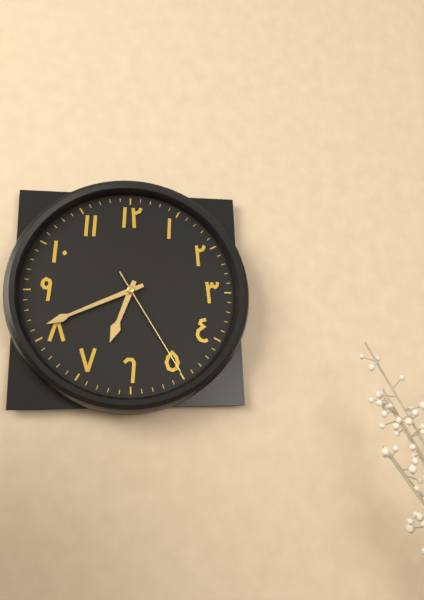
6:41:25
